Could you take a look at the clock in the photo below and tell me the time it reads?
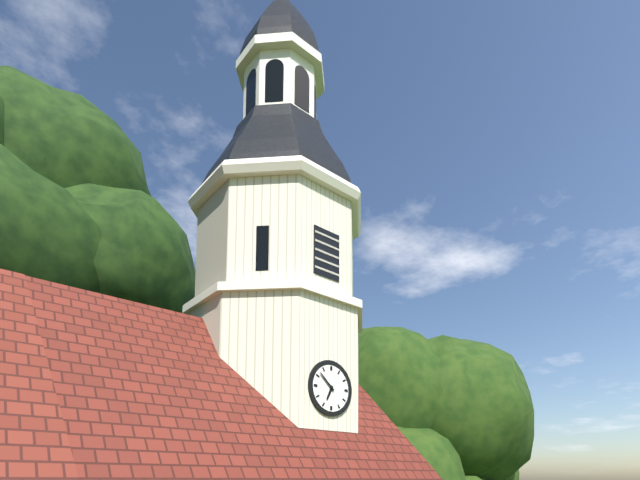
6:52
